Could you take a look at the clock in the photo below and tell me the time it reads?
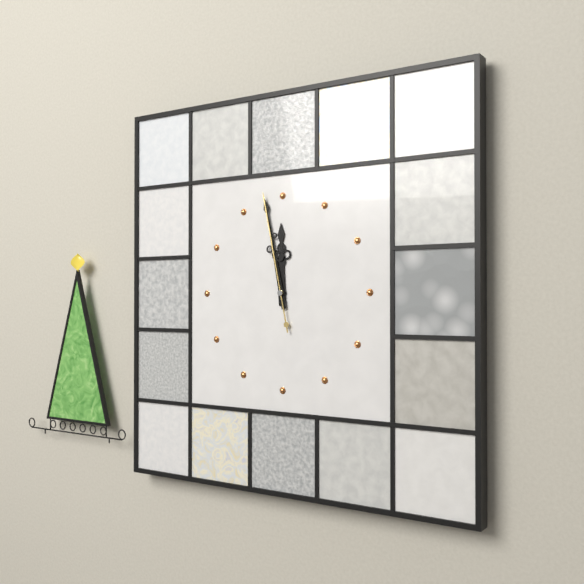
11:58:58
